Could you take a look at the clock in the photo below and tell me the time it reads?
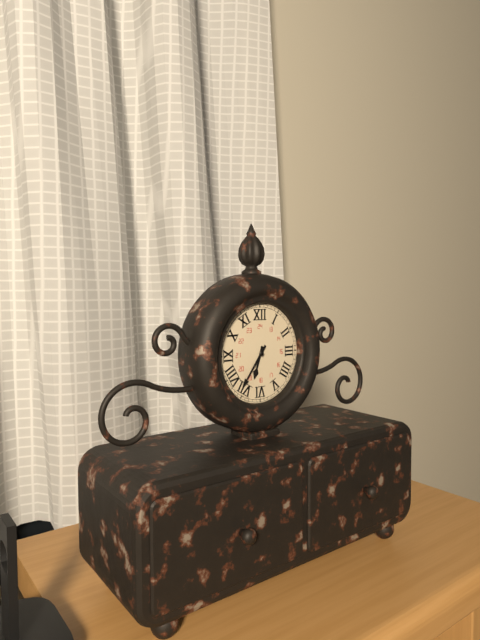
6:36
